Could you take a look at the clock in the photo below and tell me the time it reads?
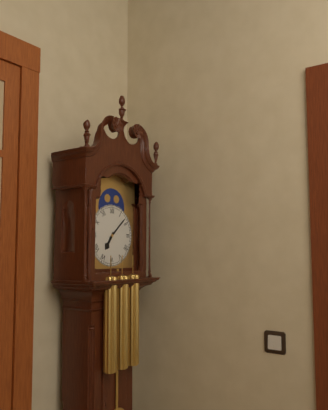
7:08
